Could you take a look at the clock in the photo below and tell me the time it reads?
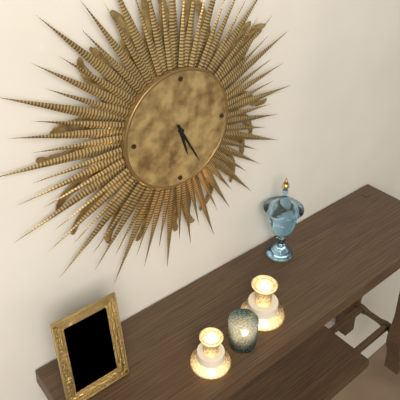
5:25
